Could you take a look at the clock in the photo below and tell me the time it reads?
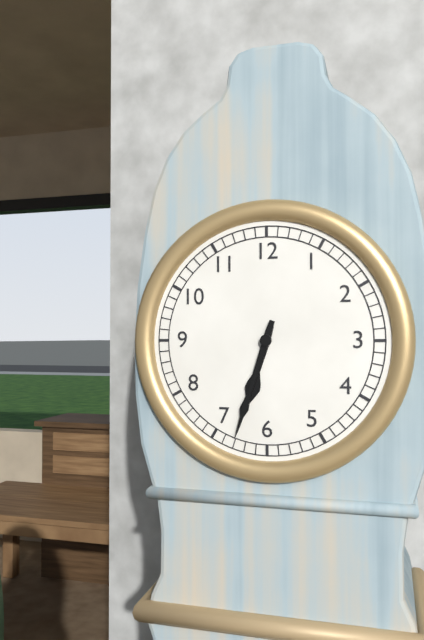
6:33
